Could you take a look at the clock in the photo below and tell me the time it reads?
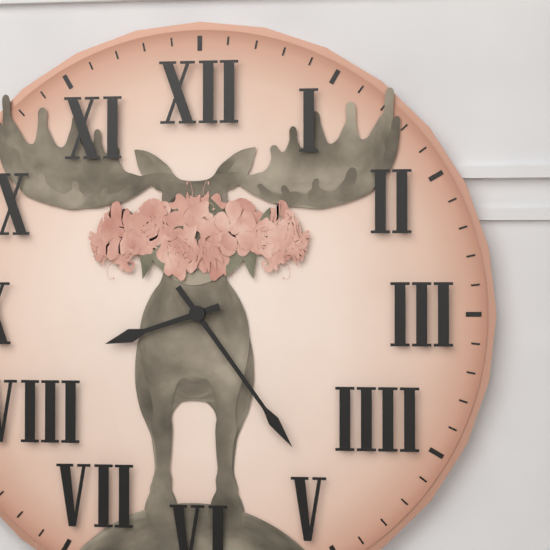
8:24
